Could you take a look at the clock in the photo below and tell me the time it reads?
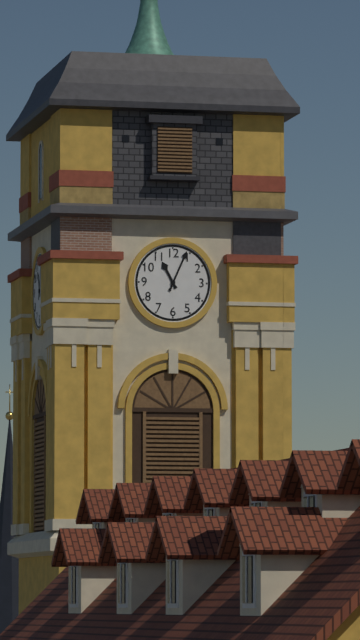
11:04
